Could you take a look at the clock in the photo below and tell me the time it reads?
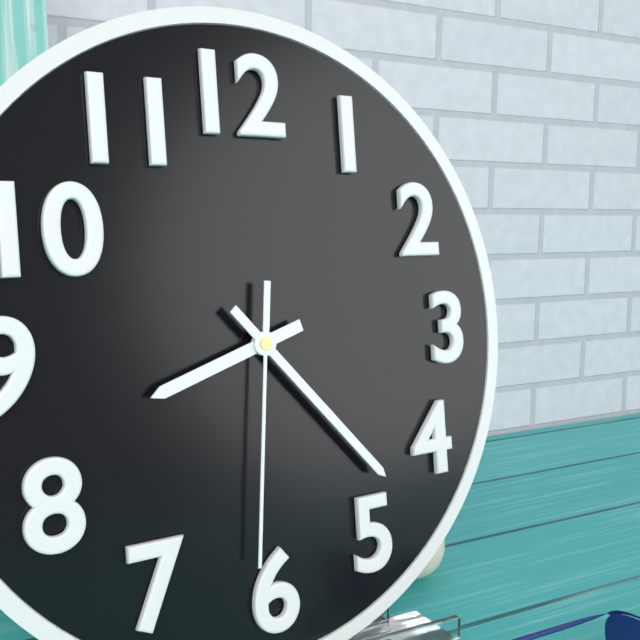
8:23:31
